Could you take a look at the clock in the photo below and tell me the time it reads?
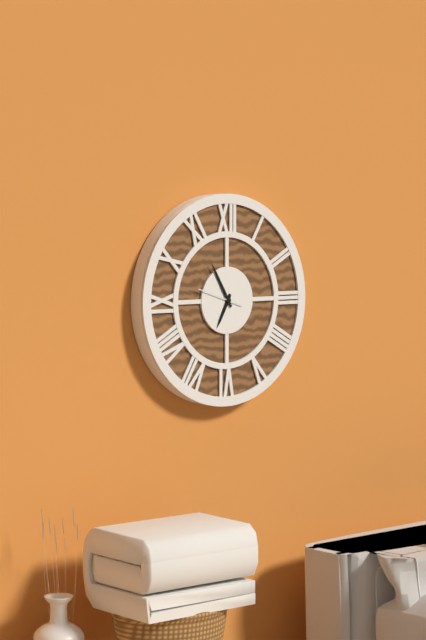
6:55
